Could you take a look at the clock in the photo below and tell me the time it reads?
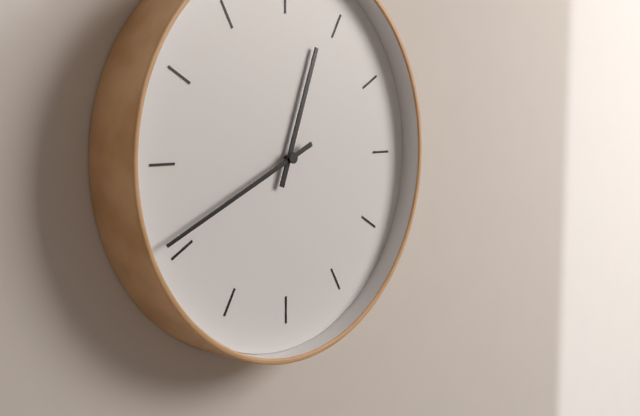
12:41
